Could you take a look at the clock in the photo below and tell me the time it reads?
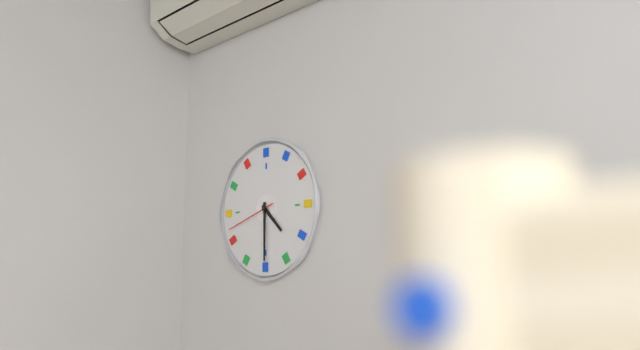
4:30:42
